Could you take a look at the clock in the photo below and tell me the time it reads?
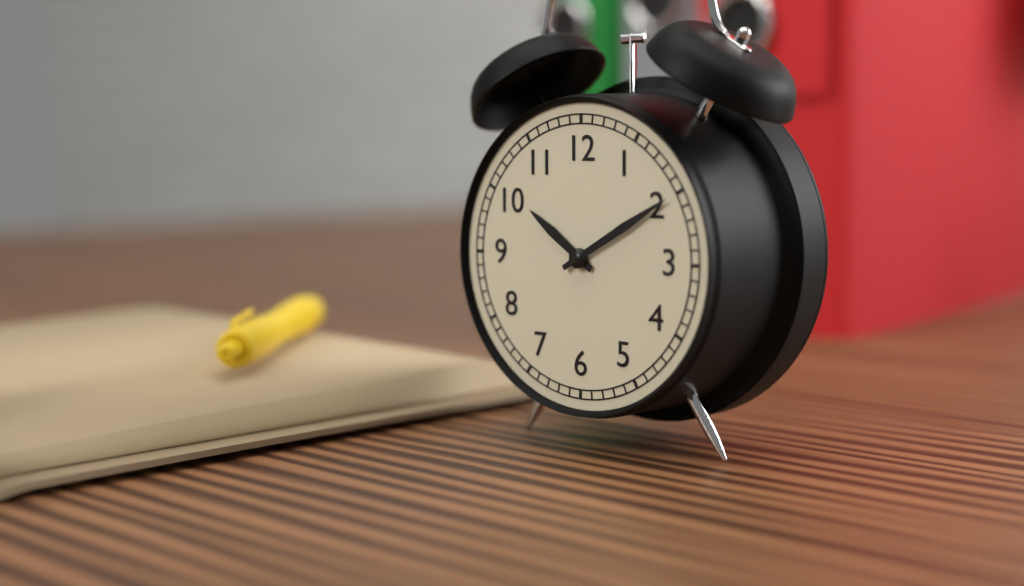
10:10
